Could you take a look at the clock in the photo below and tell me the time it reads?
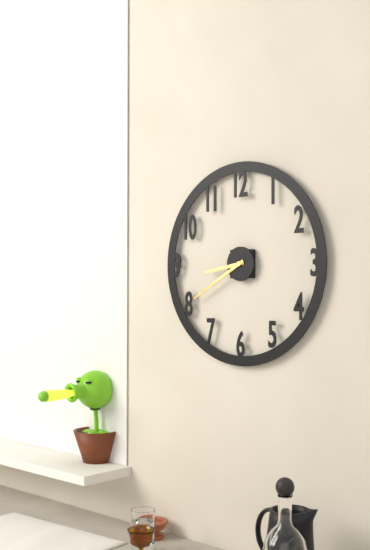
8:40
